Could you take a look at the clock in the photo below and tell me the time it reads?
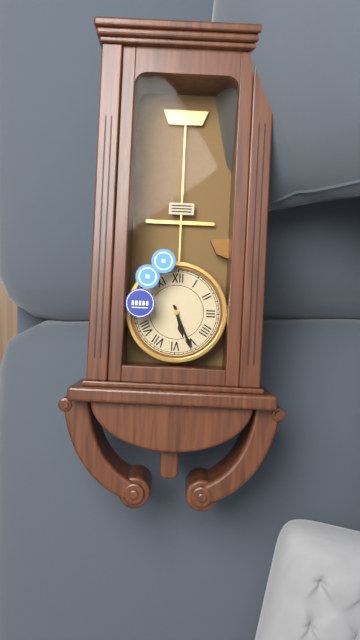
5:26
